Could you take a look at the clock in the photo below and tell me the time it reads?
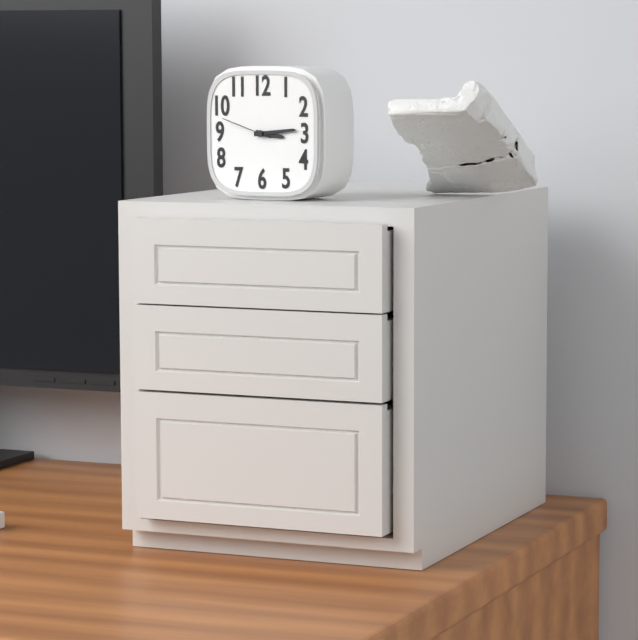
3:14:48
